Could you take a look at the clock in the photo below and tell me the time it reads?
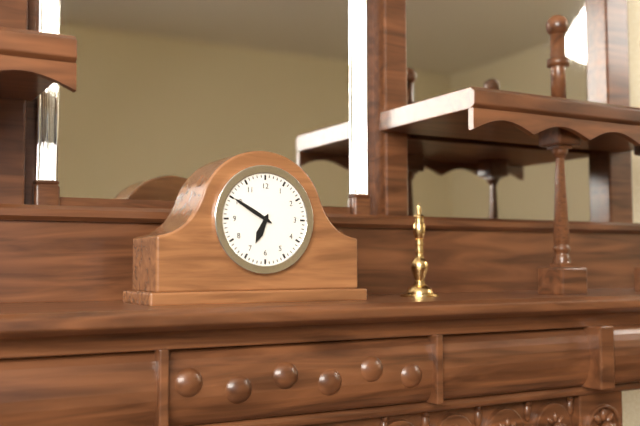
6:50
